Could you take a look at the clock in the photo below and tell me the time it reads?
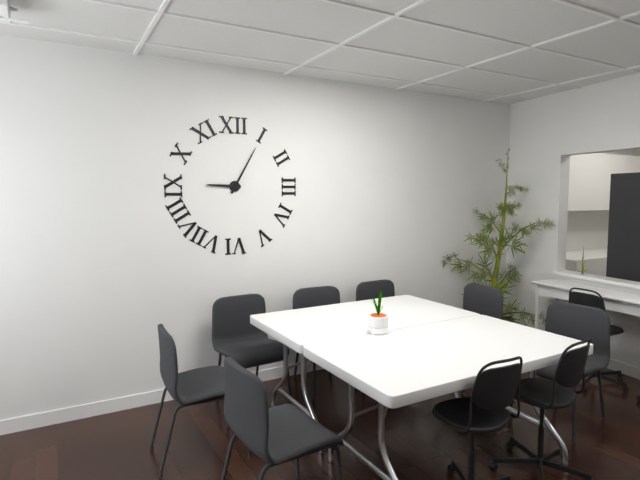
9:05
